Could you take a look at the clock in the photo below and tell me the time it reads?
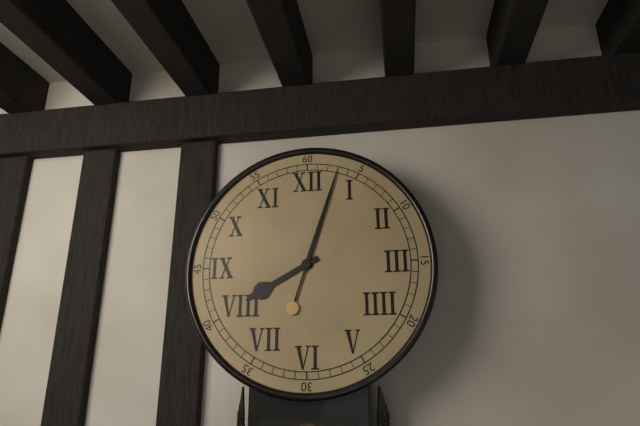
8:03
